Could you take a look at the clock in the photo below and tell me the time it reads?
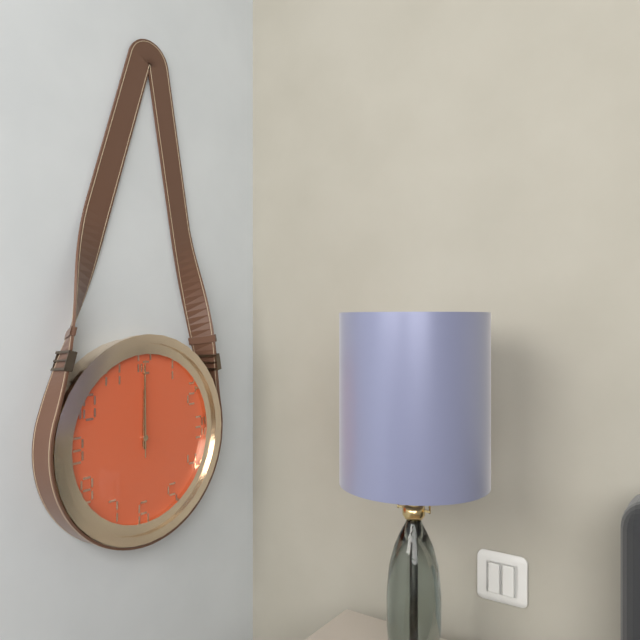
12:00:00
